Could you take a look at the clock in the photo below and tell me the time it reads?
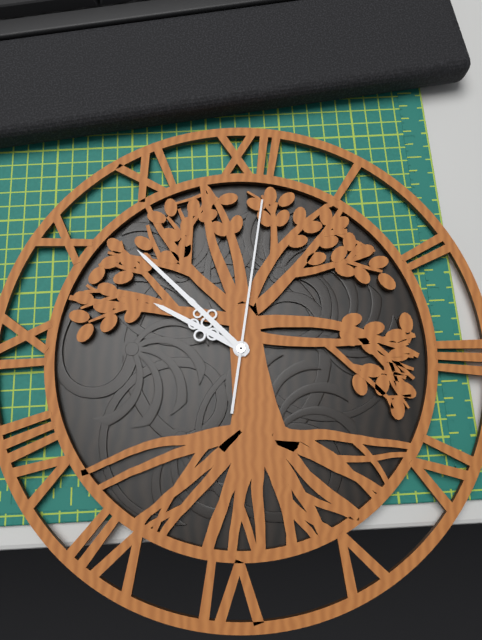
9:52:01
